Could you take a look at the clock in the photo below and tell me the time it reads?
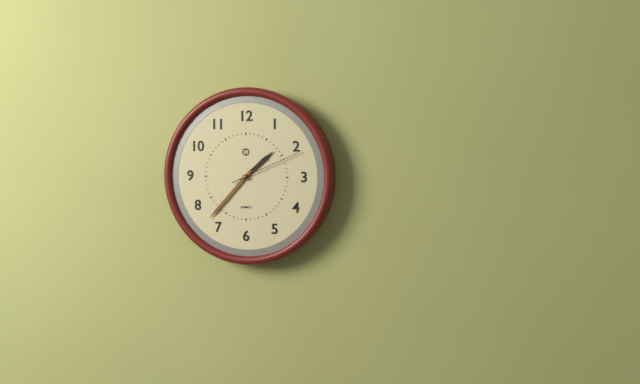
1:37:11
